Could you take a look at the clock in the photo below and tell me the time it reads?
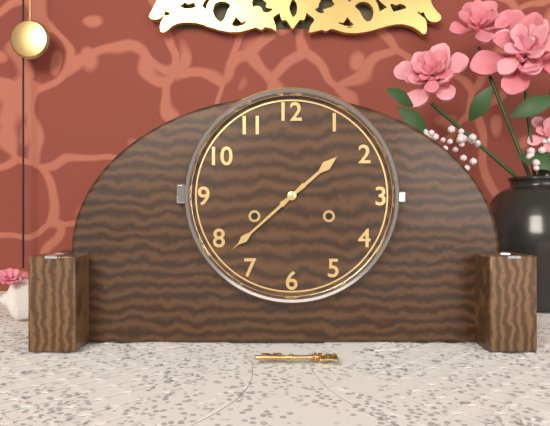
1:38
